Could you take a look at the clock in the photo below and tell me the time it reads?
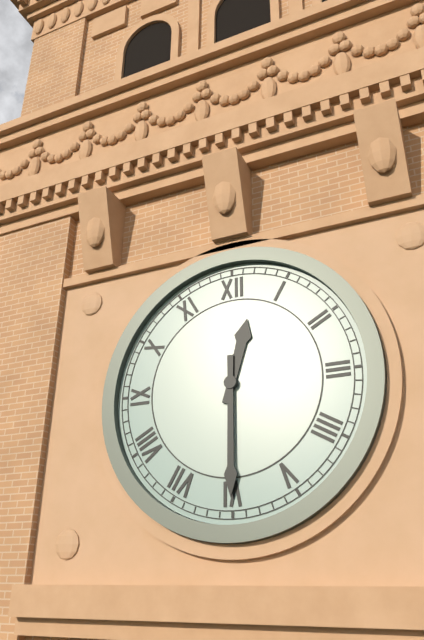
12:30
